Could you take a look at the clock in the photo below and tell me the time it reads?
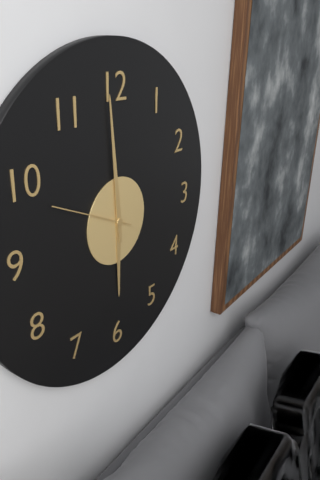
5:59:49
